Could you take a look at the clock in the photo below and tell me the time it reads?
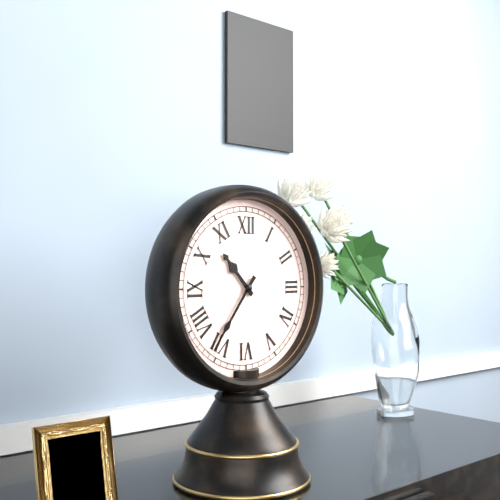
10:36
